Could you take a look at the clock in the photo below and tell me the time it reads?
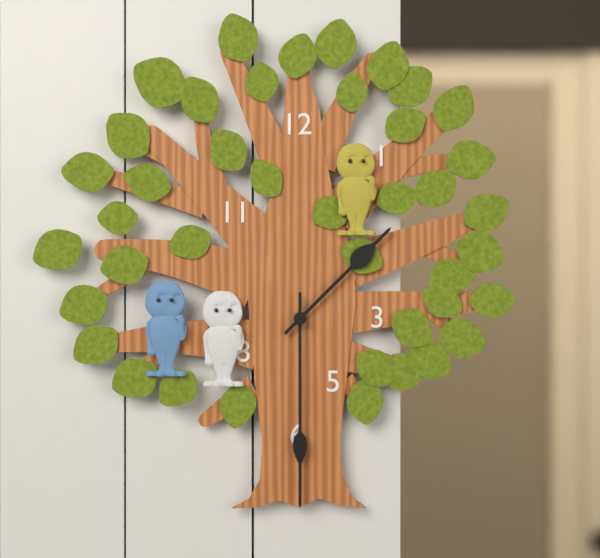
1:30
